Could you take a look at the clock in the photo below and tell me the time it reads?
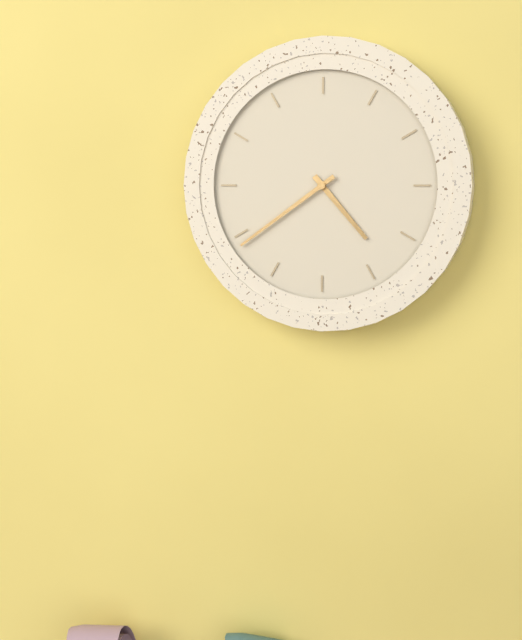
4:39
